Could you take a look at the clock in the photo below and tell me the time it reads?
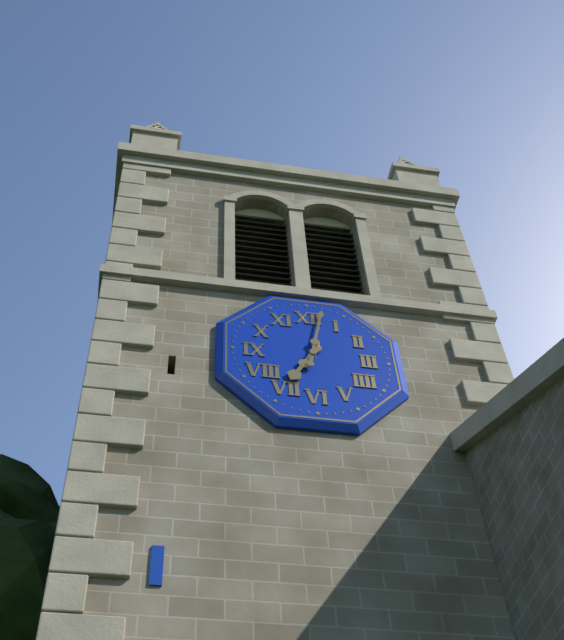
7:02
